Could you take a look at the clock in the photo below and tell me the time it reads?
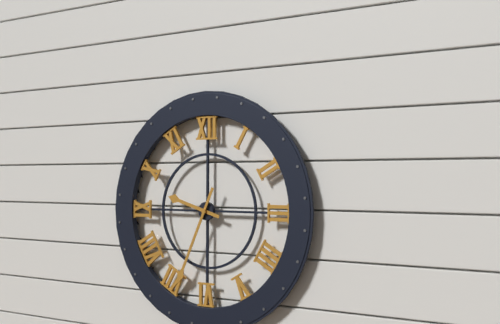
9:34
